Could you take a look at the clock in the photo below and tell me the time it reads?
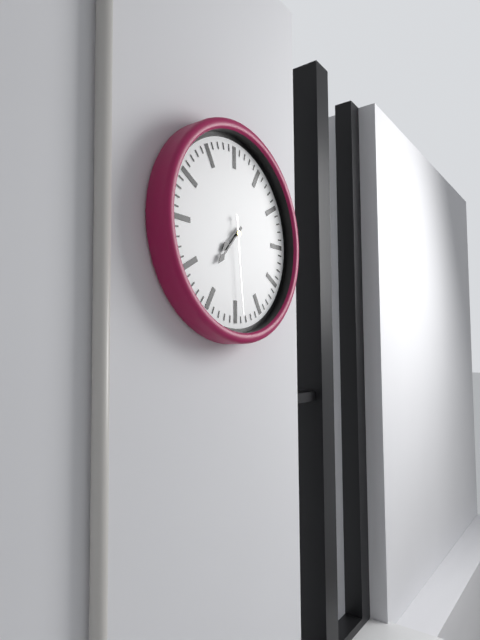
7:37:29
